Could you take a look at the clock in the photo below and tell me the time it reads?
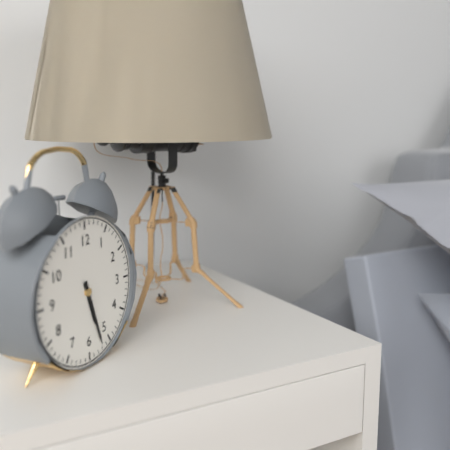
5:27
